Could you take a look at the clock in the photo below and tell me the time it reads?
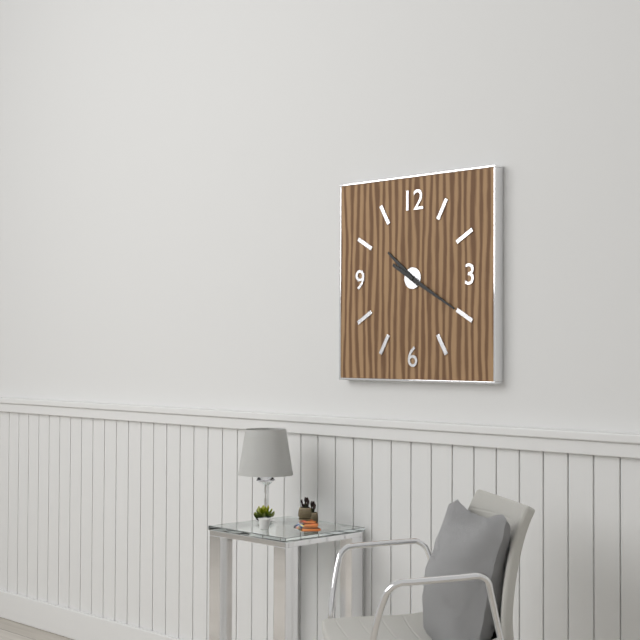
10:20
